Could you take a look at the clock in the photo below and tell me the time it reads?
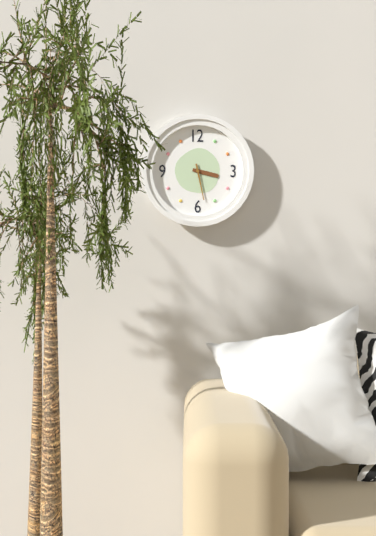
3:28
